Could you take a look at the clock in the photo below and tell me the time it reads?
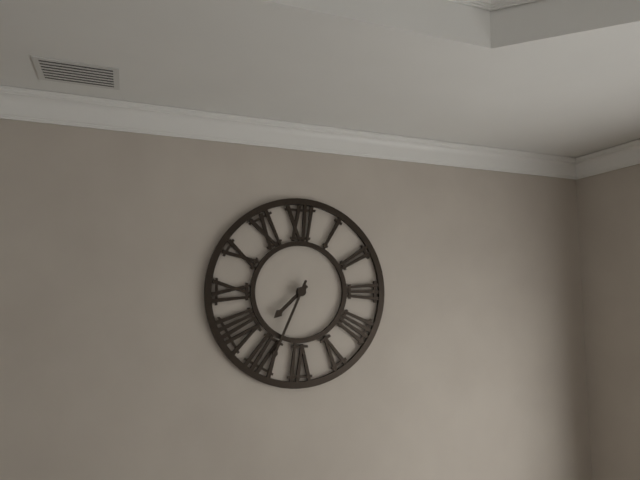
7:34
